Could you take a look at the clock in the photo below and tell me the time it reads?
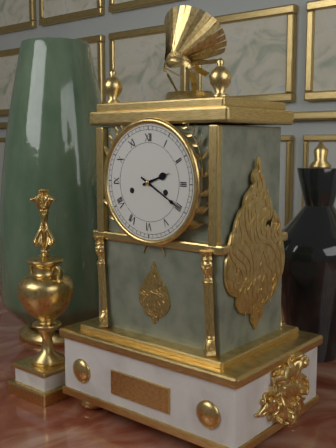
2:20
